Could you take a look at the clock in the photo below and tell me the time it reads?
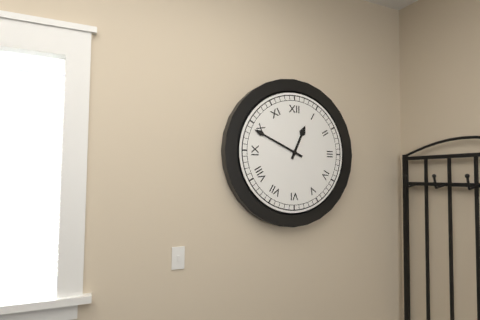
12:49
